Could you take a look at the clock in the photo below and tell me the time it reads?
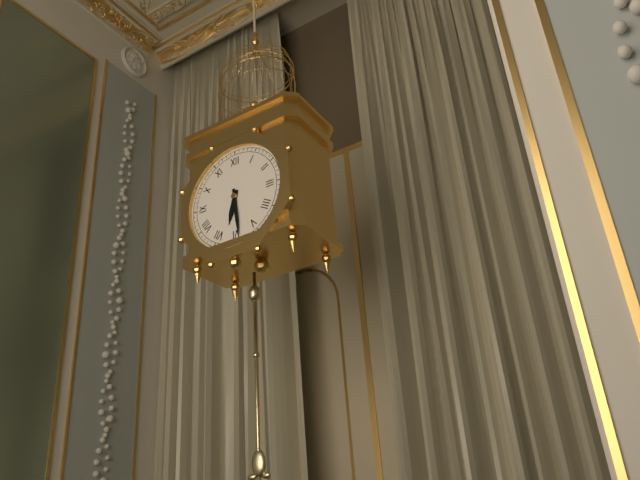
6:29
